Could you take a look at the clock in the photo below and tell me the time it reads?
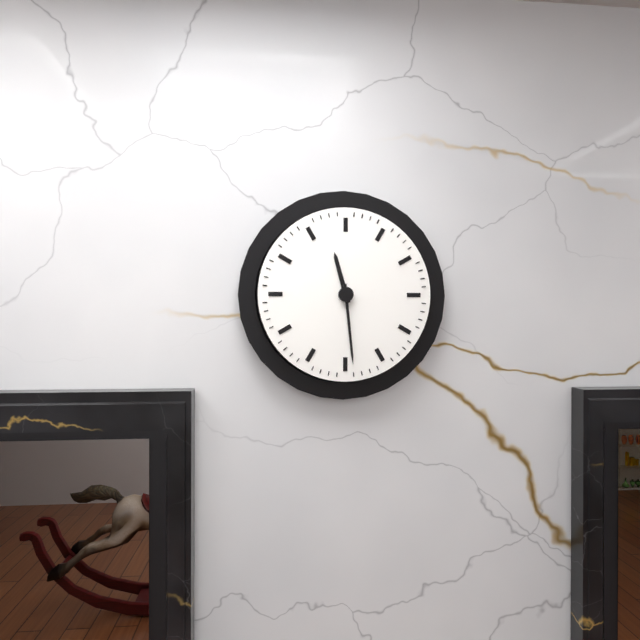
11:29
